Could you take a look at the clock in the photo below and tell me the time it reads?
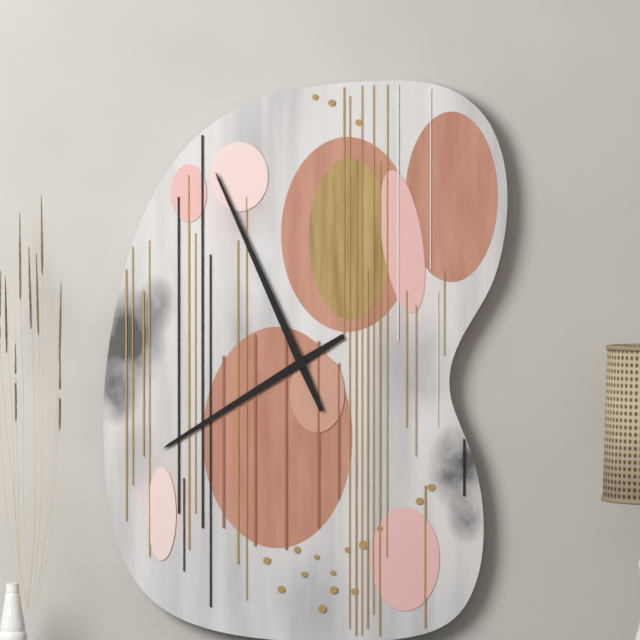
7:56
